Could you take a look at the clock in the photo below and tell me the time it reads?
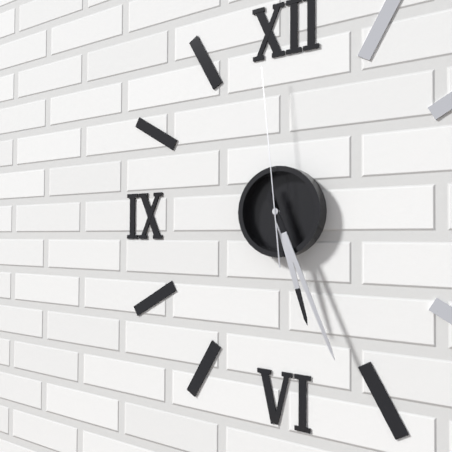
5:26:59
